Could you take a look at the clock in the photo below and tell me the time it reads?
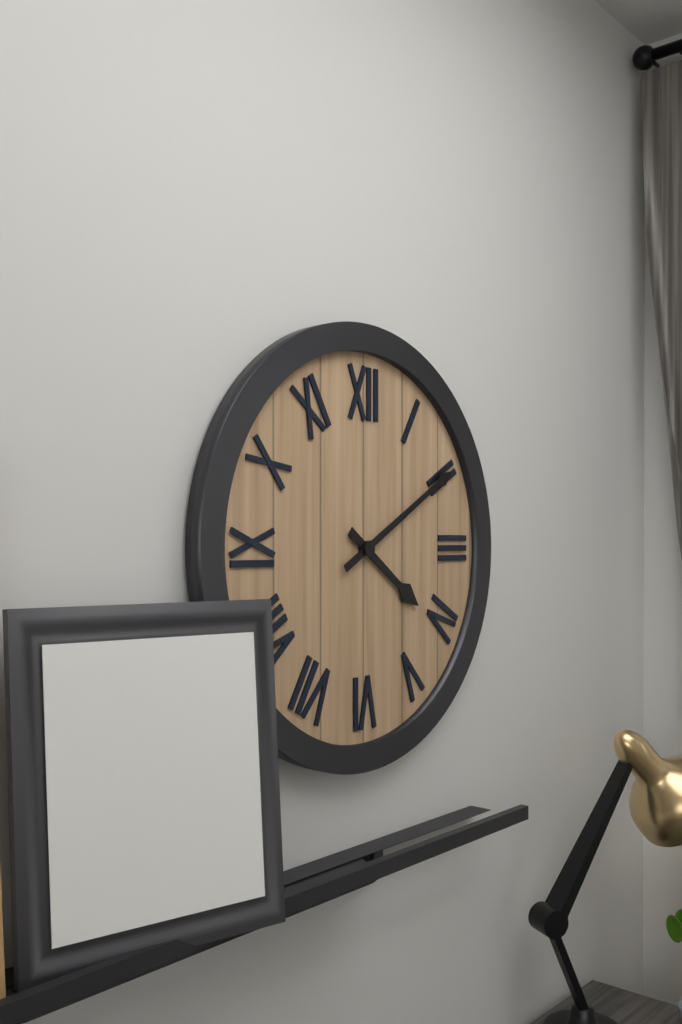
4:10
